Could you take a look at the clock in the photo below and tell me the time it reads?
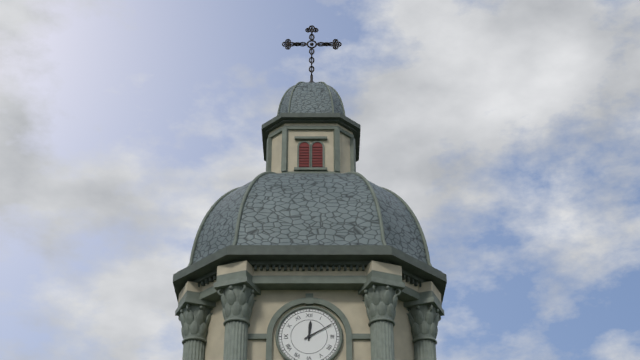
12:10
